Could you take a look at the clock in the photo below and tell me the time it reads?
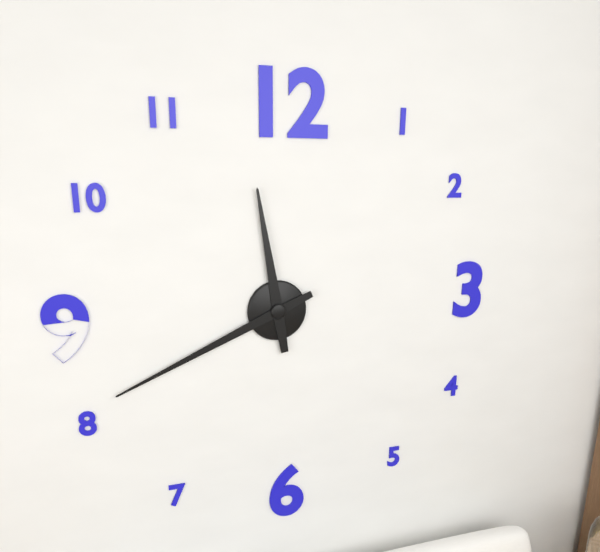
11:41
